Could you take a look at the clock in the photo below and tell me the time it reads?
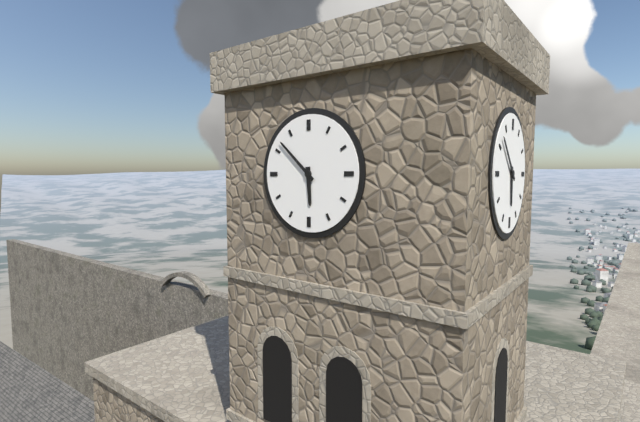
5:52
